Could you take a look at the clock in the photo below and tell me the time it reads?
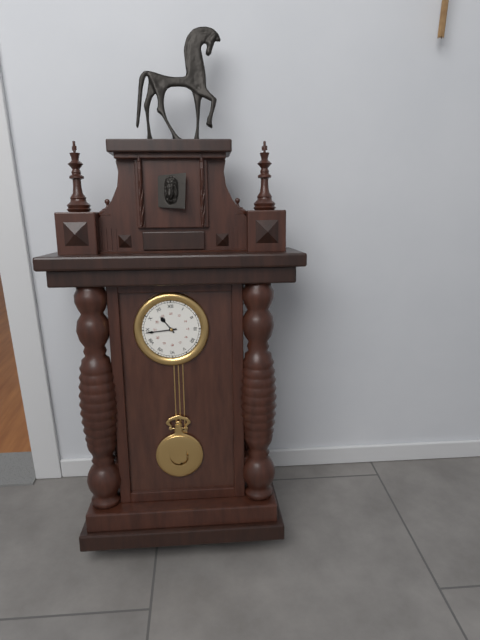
10:44
